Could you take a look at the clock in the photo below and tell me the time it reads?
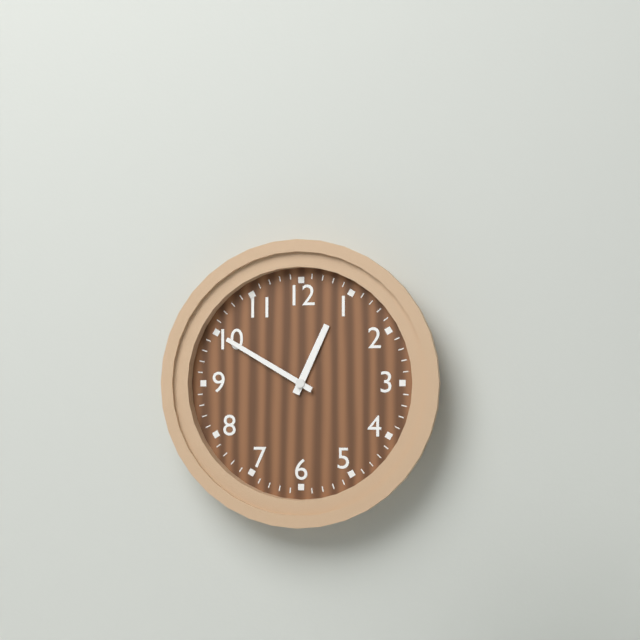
12:50
